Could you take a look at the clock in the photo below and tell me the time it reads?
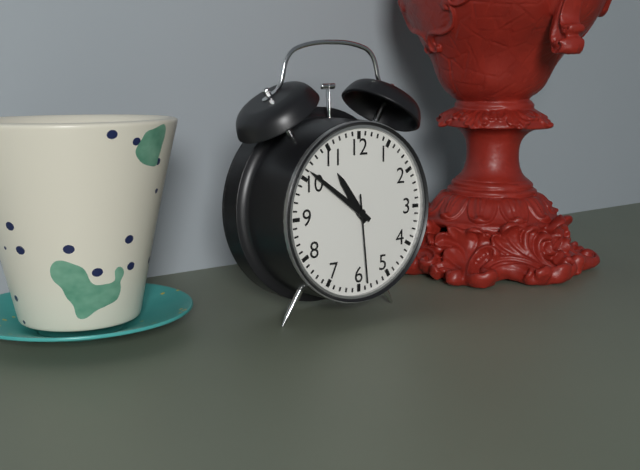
10:51:29
